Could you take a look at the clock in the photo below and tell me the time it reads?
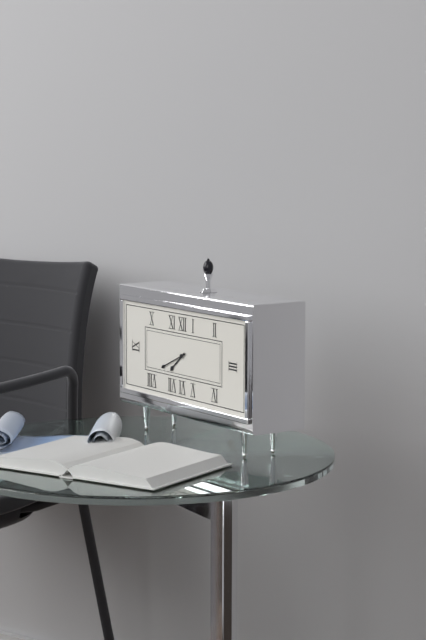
7:41
